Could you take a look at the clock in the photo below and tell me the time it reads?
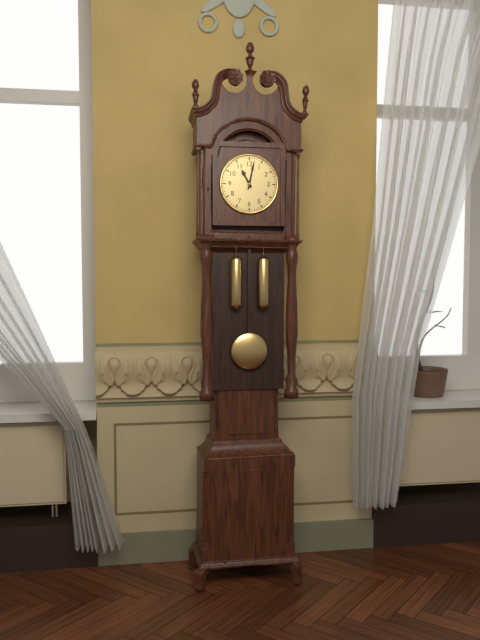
11:02
